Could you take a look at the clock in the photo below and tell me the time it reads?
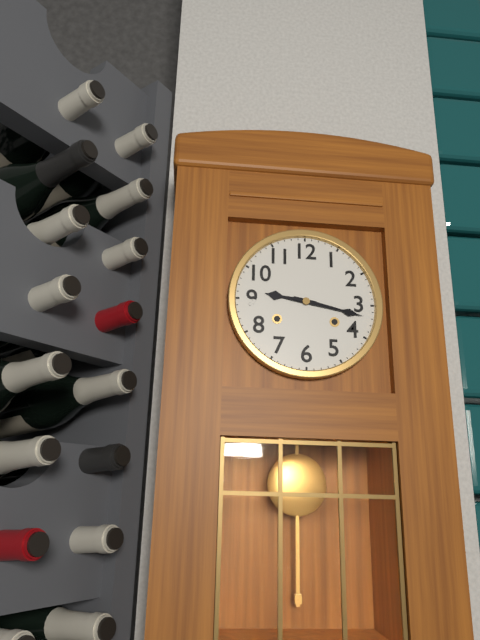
9:17
